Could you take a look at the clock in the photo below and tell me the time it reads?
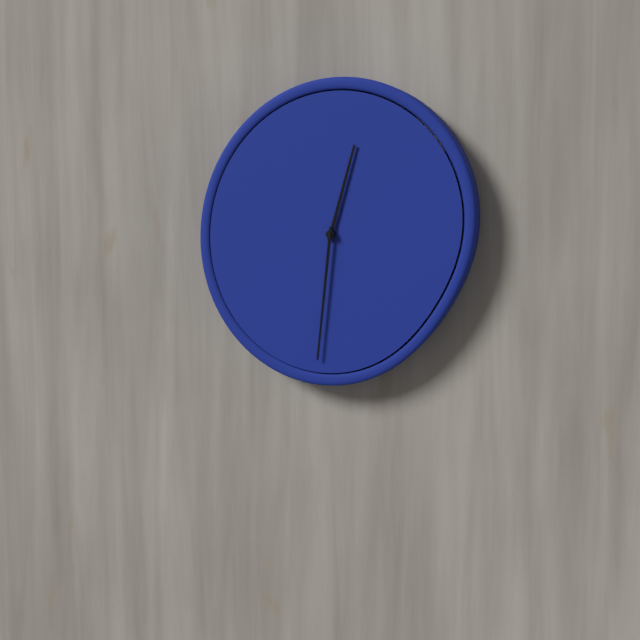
12:31
